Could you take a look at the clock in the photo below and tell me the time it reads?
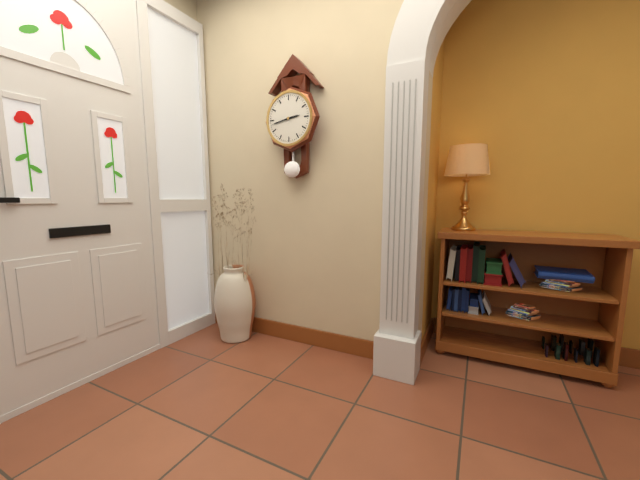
2:43
